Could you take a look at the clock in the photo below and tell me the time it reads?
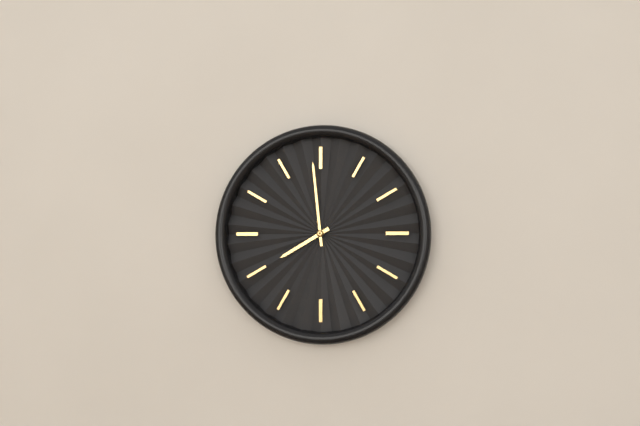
7:59
